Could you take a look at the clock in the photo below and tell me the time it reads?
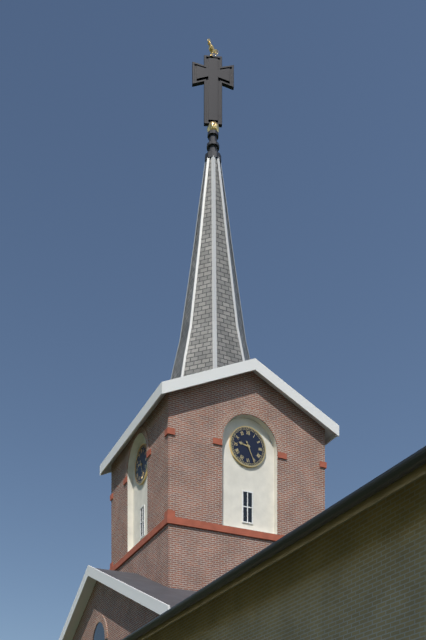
9:26
